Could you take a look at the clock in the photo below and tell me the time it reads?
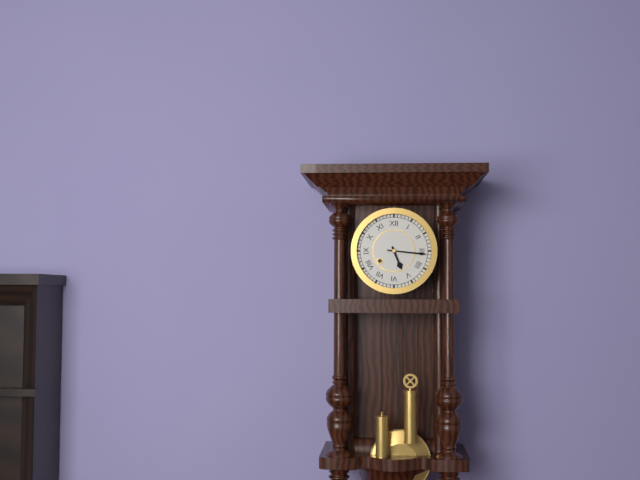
5:16
